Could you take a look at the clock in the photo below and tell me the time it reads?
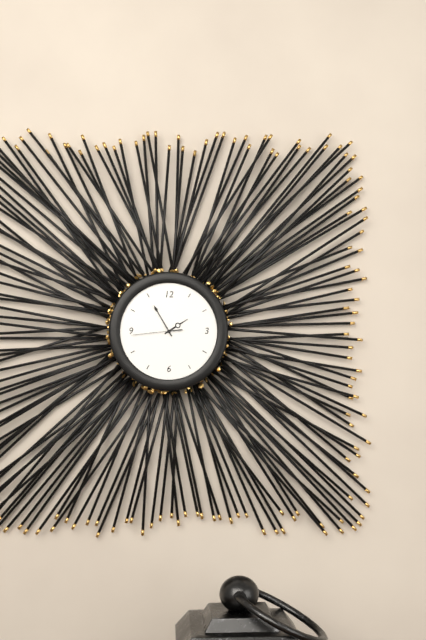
1:55
